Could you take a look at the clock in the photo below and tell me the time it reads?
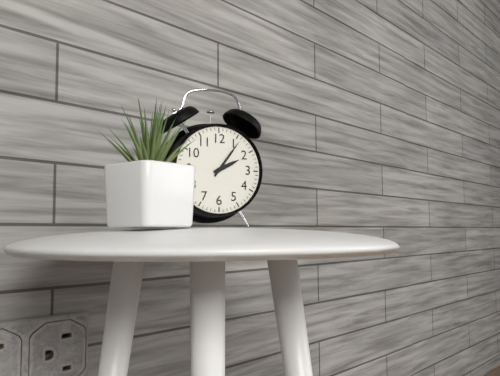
2:06
